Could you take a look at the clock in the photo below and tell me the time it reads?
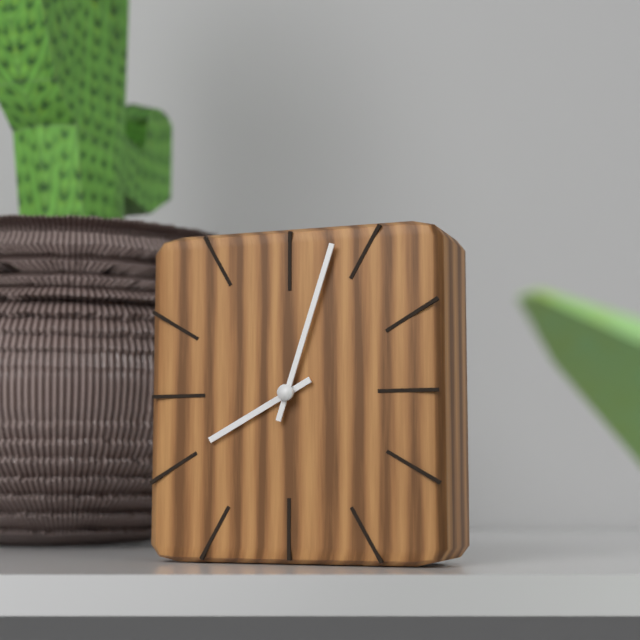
8:03
